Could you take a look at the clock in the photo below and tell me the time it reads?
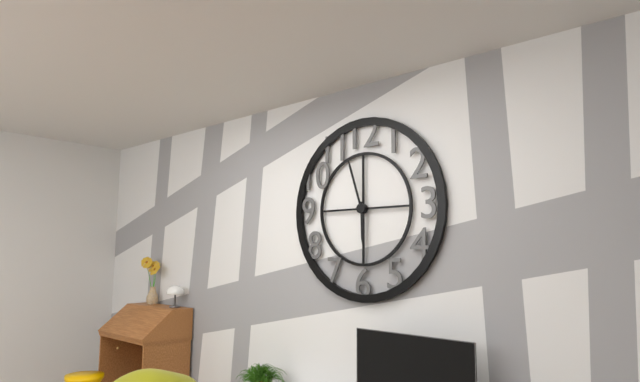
5:57
